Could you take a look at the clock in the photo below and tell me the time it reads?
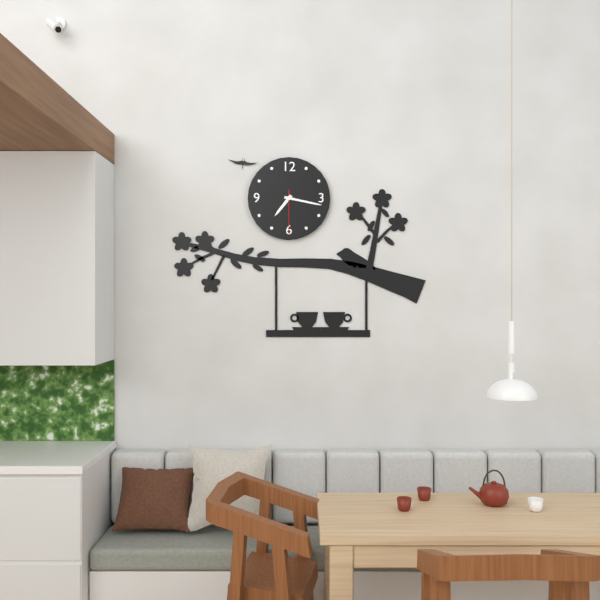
7:17
